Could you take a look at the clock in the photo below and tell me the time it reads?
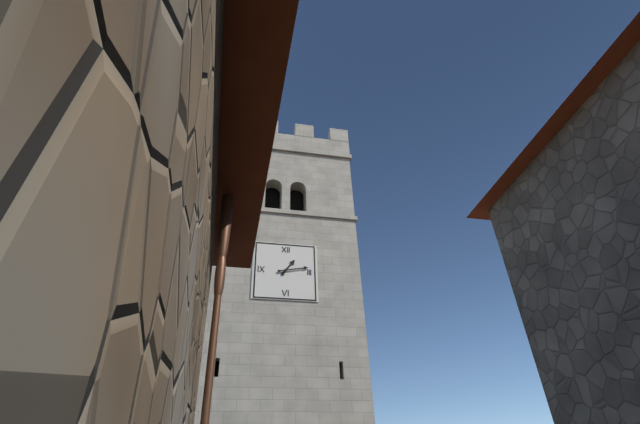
1:13
